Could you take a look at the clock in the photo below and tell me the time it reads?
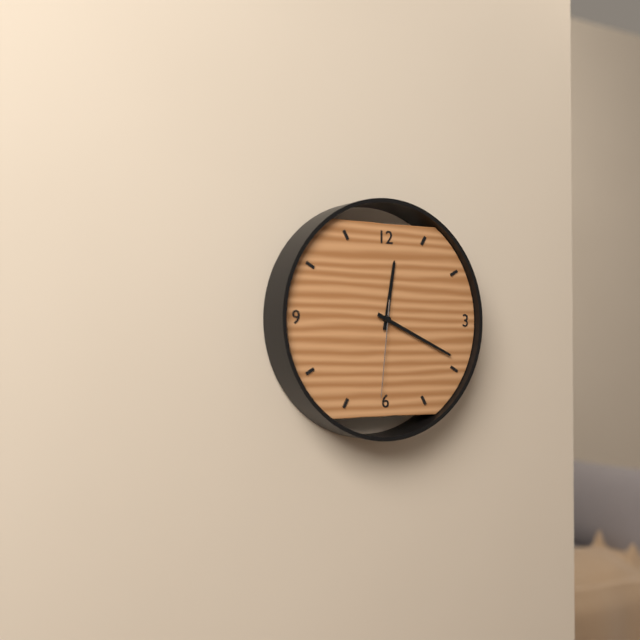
12:19:31
